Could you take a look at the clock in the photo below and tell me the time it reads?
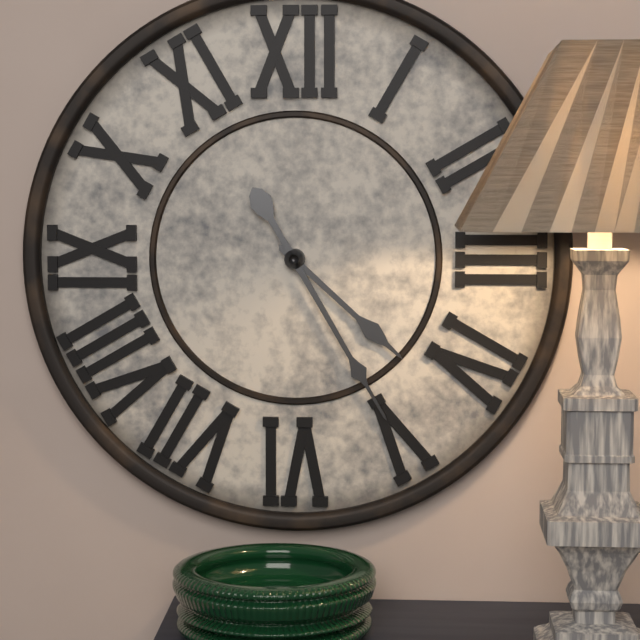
4:25
